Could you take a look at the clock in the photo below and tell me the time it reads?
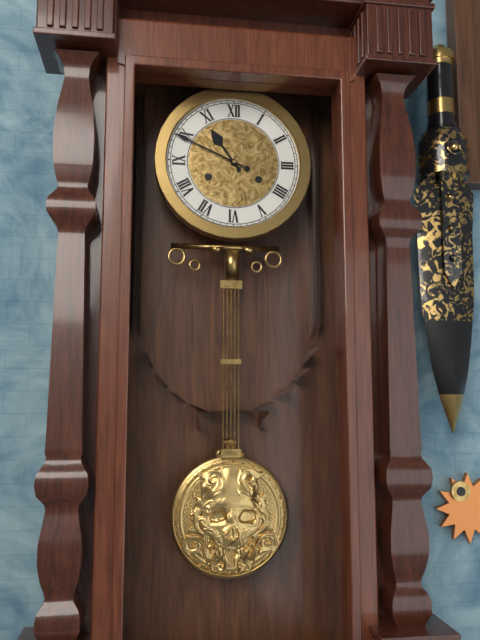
10:49
